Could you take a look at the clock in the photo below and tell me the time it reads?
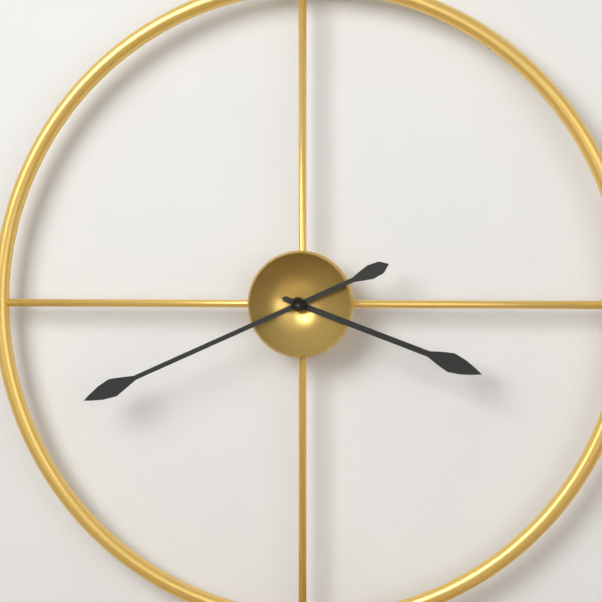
3:41
